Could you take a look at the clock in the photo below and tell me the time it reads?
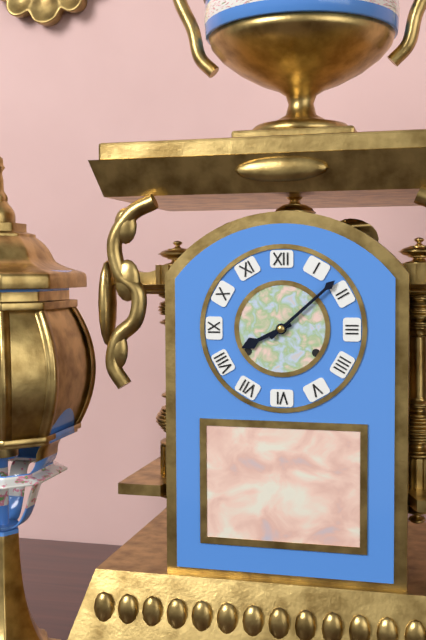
8:08
